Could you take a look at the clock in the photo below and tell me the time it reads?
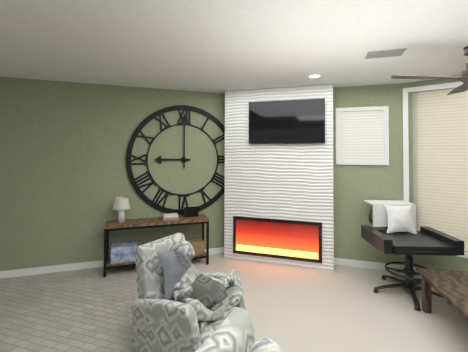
9:00
